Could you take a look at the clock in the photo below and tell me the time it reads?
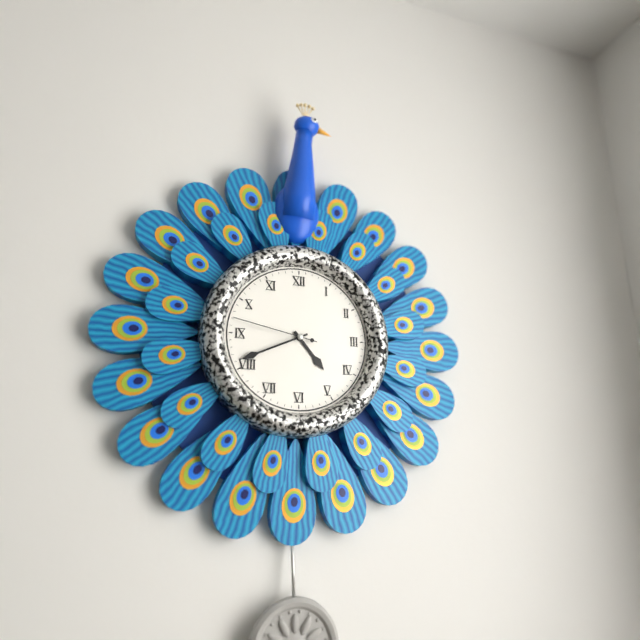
4:41:47
